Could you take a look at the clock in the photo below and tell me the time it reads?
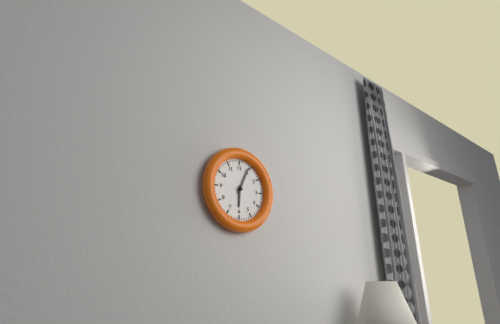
6:04
